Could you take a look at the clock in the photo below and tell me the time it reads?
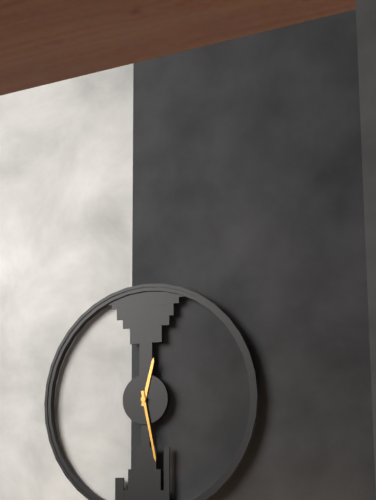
12:28
